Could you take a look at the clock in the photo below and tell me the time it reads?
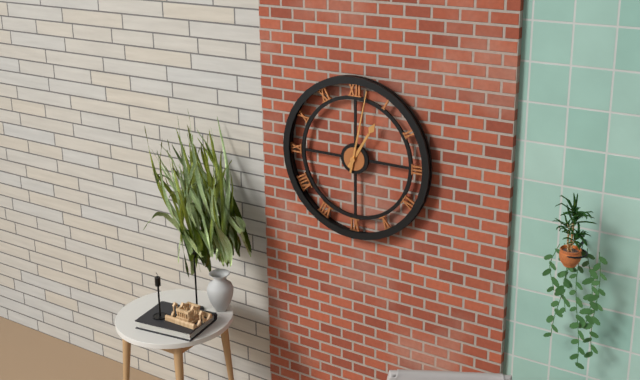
1:02
